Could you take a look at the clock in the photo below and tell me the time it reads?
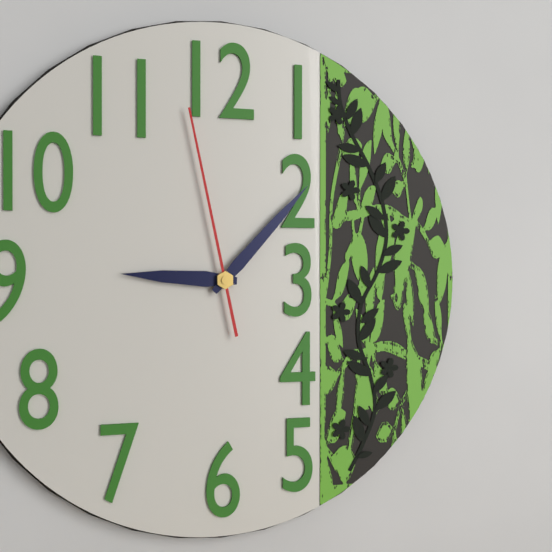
9:07:58
